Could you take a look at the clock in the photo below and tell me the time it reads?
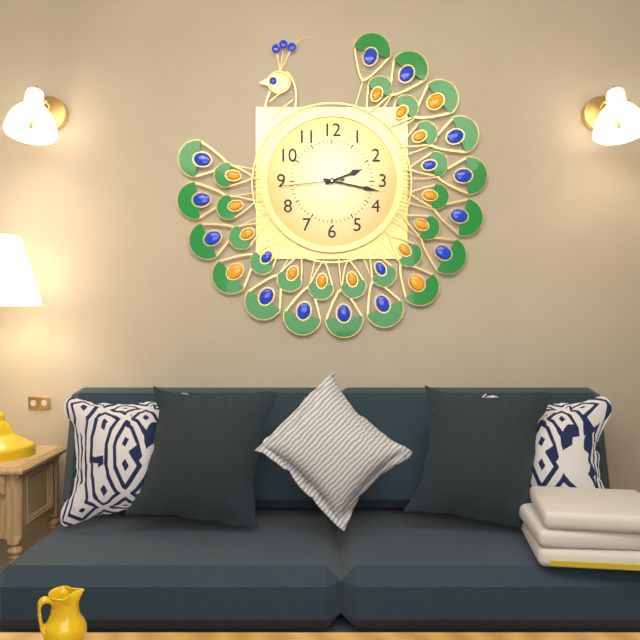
2:17:44
